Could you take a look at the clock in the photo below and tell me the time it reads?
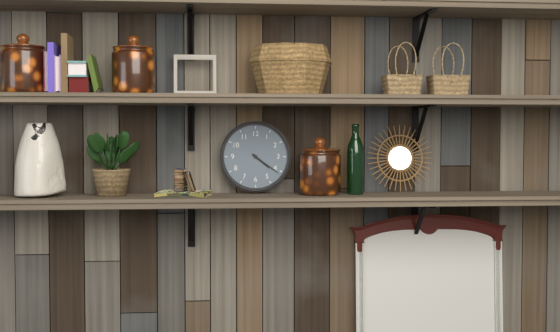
4:21
